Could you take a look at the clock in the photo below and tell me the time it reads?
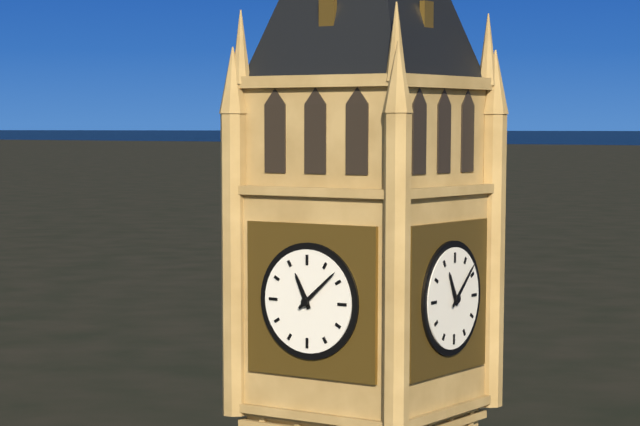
11:08
